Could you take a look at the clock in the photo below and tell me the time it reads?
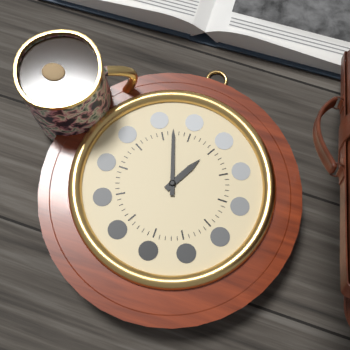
12:57
